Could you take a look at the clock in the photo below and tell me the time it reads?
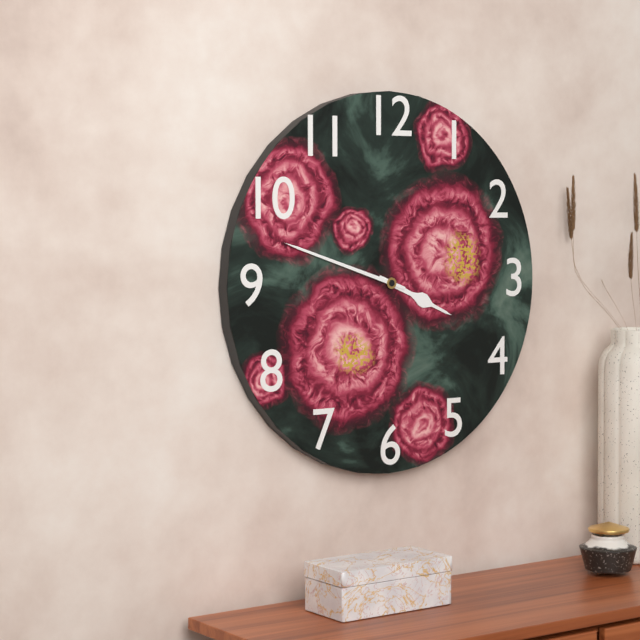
3:48
